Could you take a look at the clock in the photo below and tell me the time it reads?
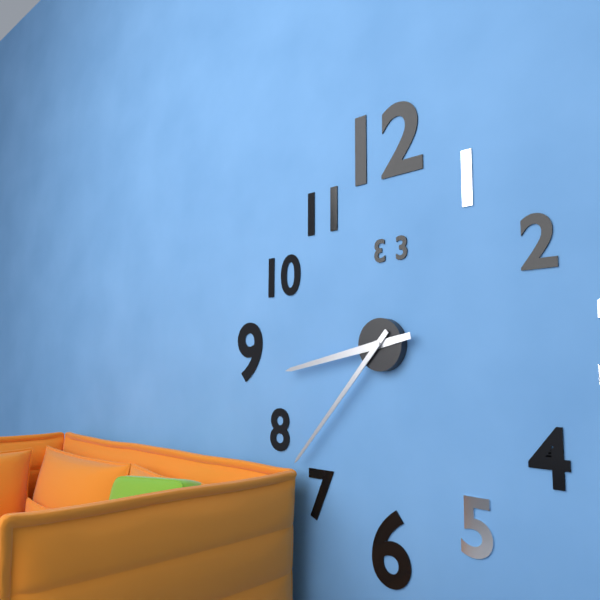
8:37
